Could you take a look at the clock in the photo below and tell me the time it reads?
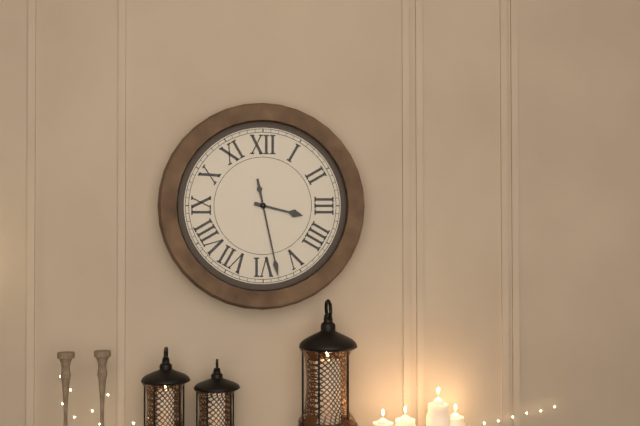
3:28
